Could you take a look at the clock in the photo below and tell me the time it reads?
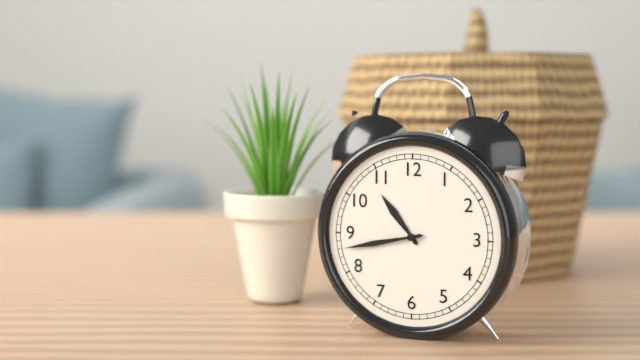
10:43
